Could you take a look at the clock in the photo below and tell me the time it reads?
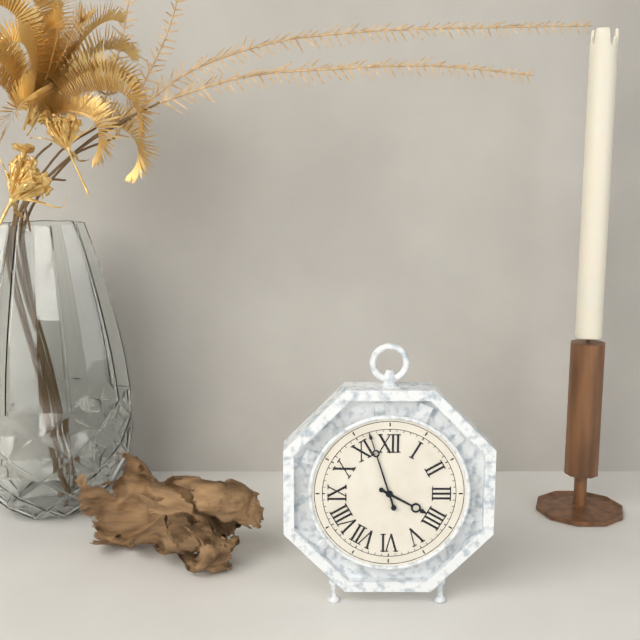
3:57
